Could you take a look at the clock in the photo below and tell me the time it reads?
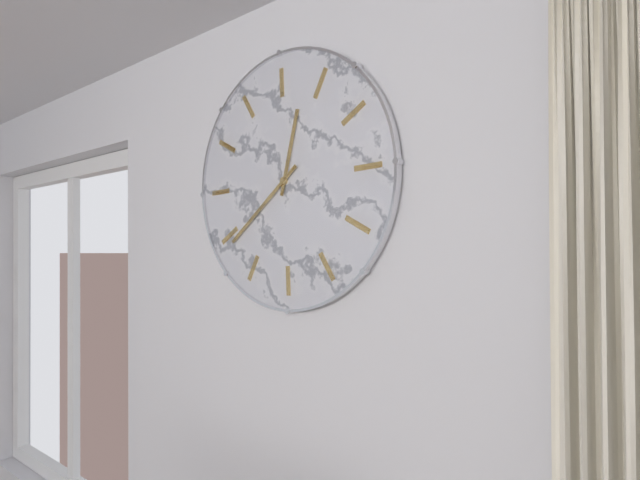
11:34
